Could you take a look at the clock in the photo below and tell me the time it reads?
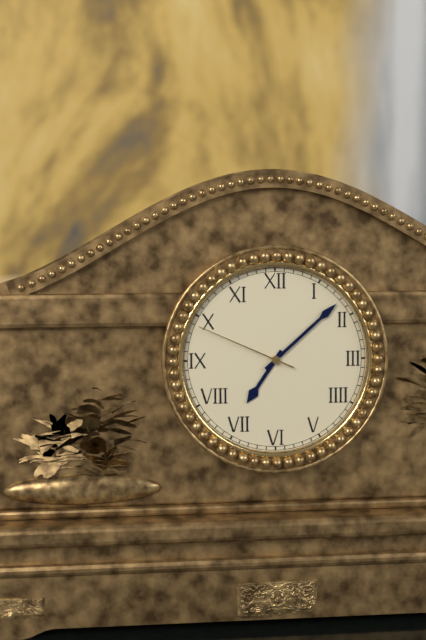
7:08:49
